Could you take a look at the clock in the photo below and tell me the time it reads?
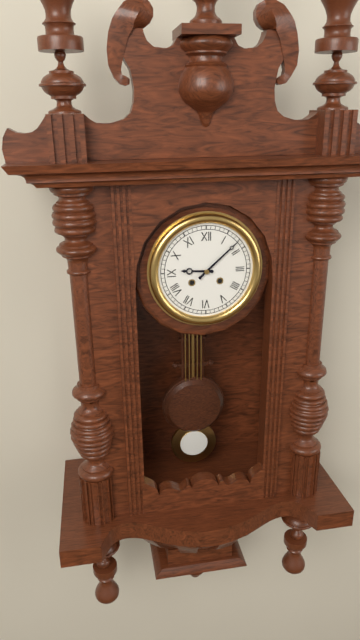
9:08
